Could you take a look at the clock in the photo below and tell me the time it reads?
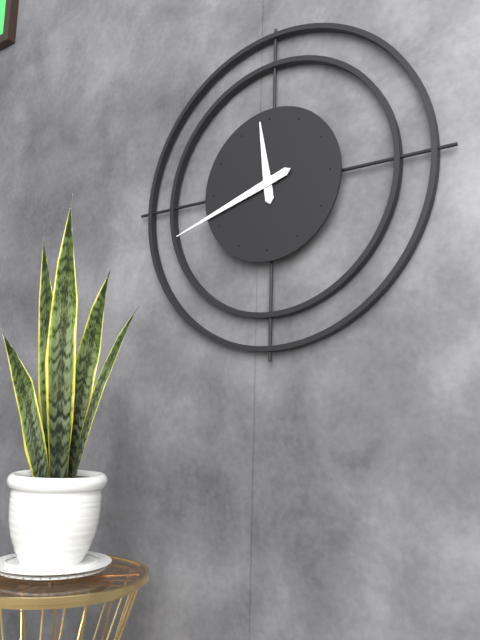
11:42
